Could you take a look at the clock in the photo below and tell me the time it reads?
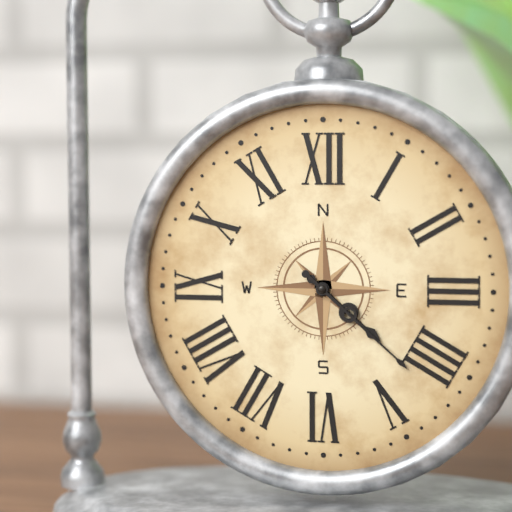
4:22
